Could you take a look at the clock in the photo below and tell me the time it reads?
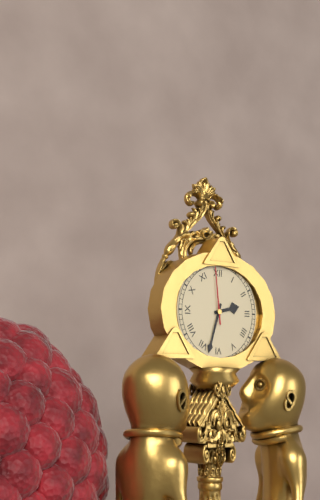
2:33:59
